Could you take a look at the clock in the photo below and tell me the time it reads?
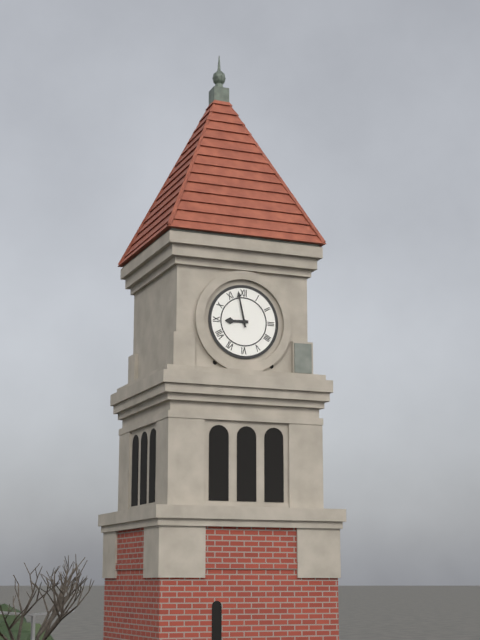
8:58
